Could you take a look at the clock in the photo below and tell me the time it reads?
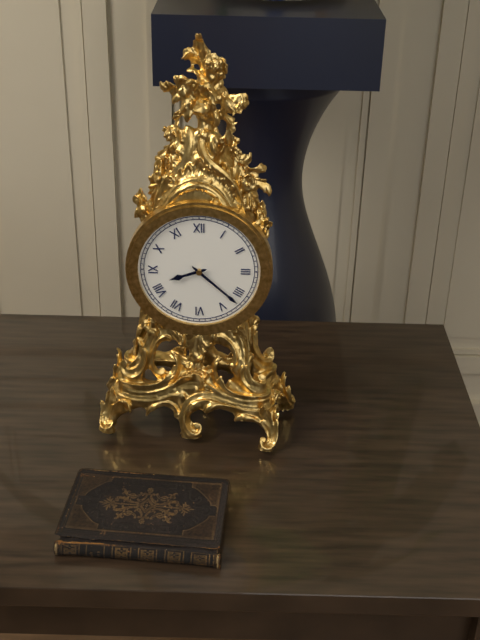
8:22
